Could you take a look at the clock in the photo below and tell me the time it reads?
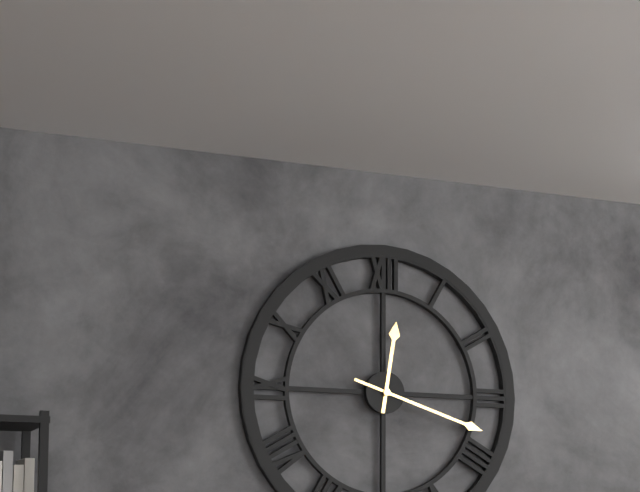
12:18
